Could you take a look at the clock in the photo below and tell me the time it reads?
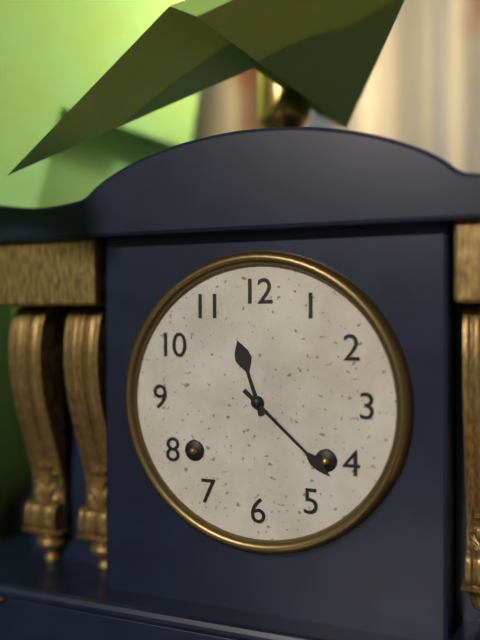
11:22
